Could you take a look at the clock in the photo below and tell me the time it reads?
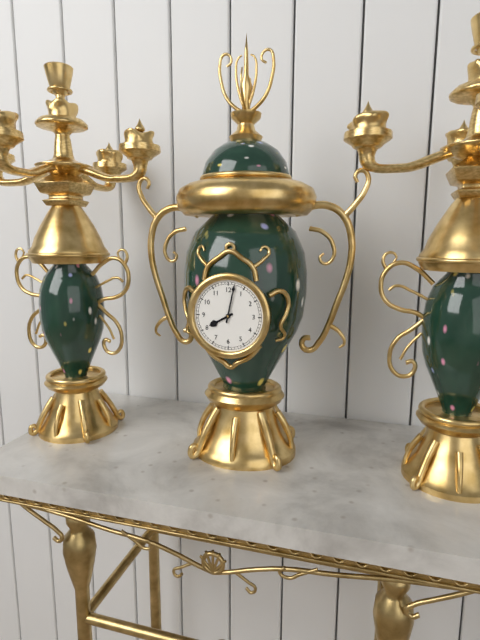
8:02
